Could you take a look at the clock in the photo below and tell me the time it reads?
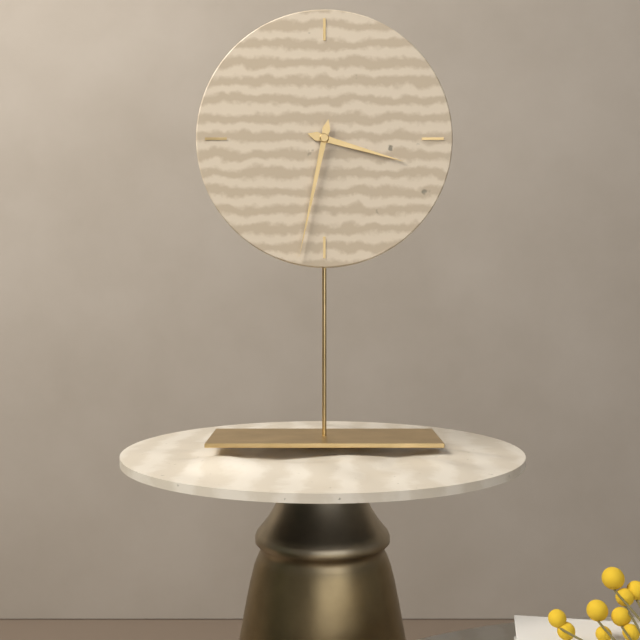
3:32
